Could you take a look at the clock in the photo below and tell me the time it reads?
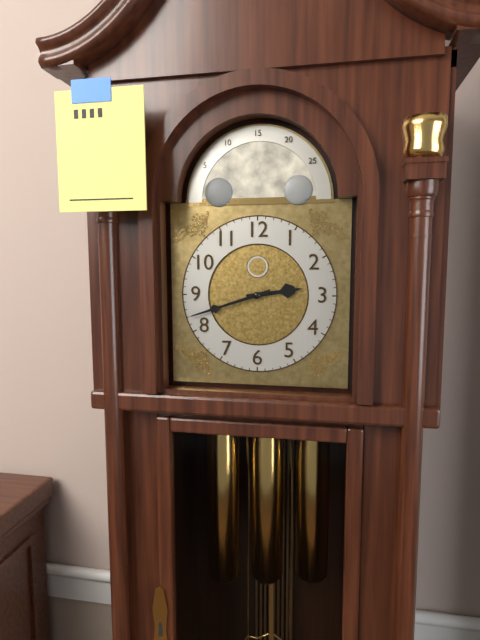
2:42
